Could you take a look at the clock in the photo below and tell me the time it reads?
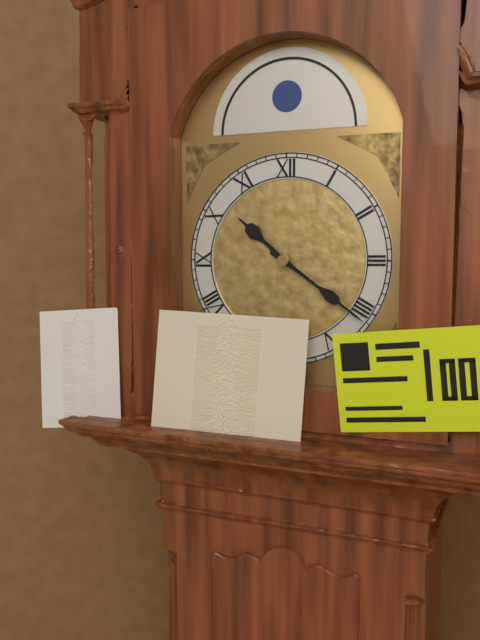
10:21
